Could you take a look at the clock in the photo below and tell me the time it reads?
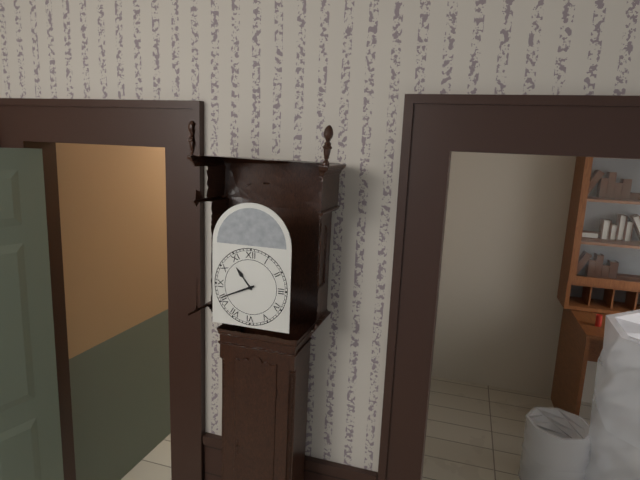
10:41
